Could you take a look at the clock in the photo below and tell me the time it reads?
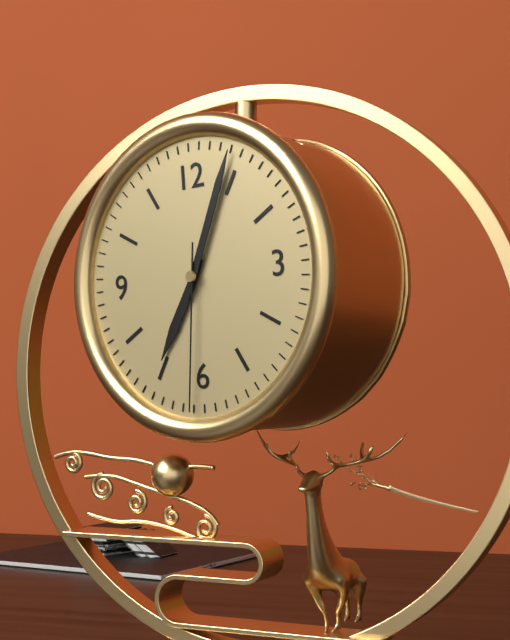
7:04:31
